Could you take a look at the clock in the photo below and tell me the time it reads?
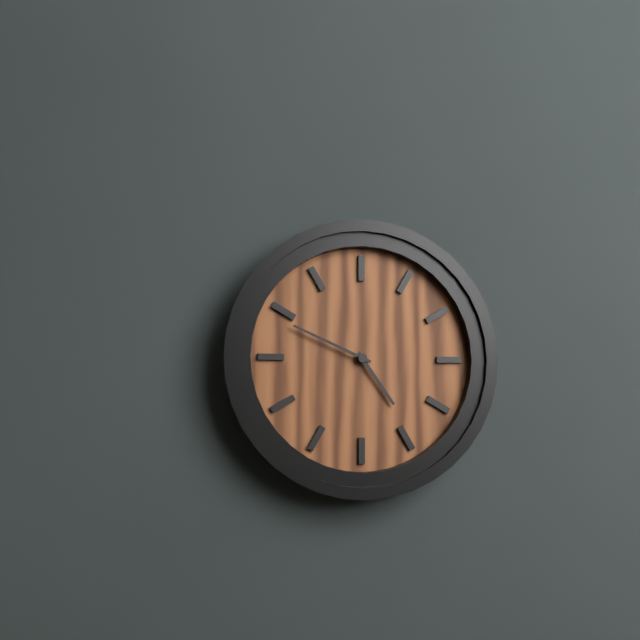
4:49
